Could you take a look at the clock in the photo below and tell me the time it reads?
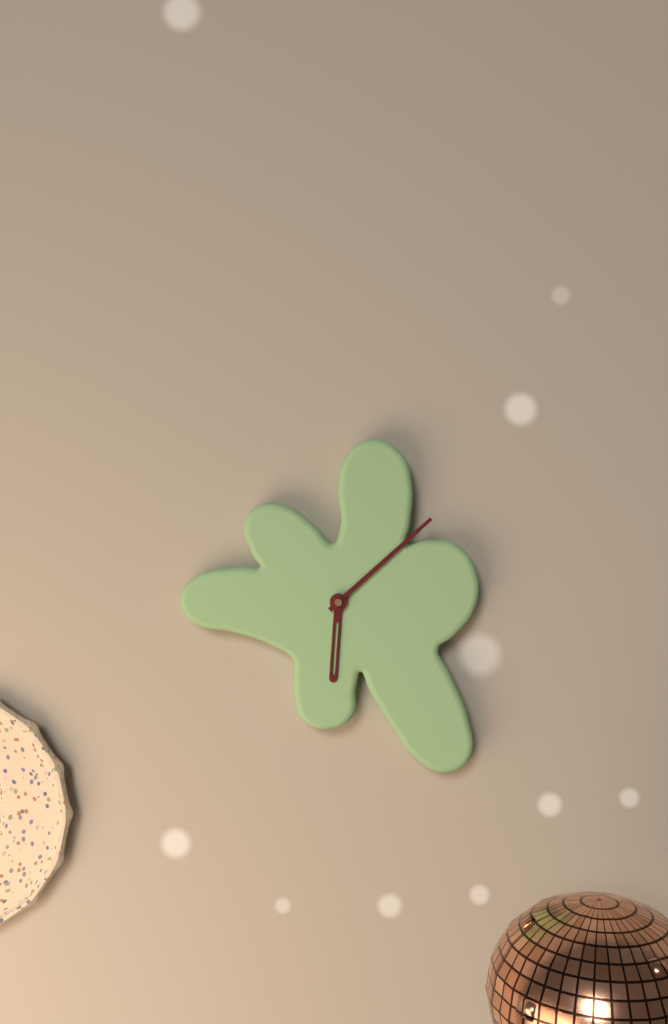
6:08
